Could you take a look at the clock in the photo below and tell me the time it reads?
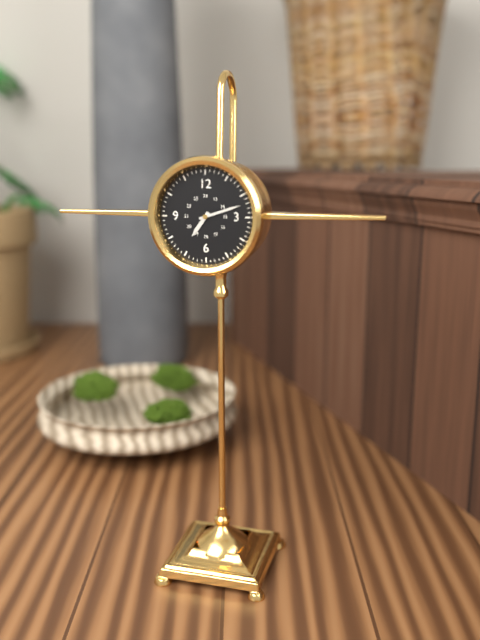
7:12
